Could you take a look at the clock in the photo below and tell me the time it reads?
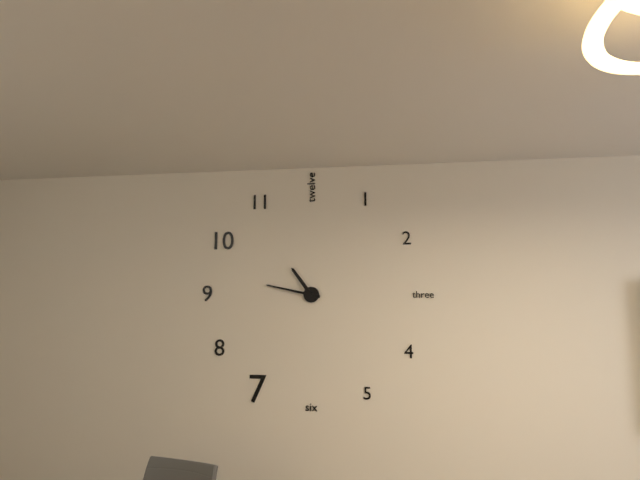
10:47
